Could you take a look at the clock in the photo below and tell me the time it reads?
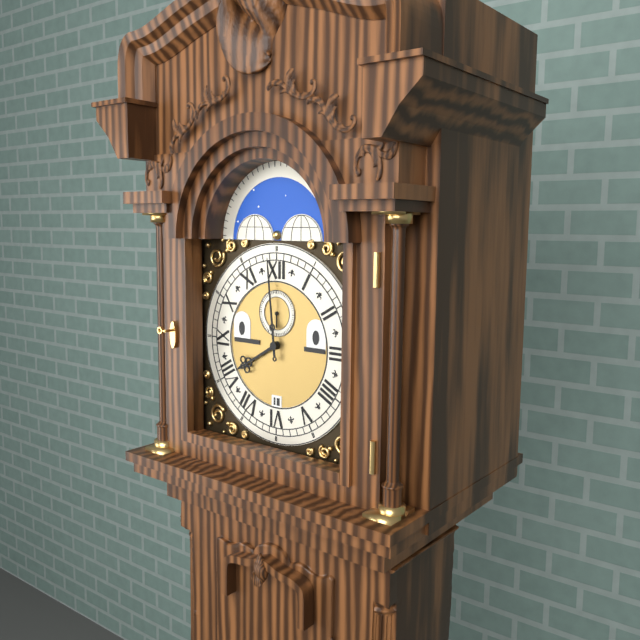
7:59
